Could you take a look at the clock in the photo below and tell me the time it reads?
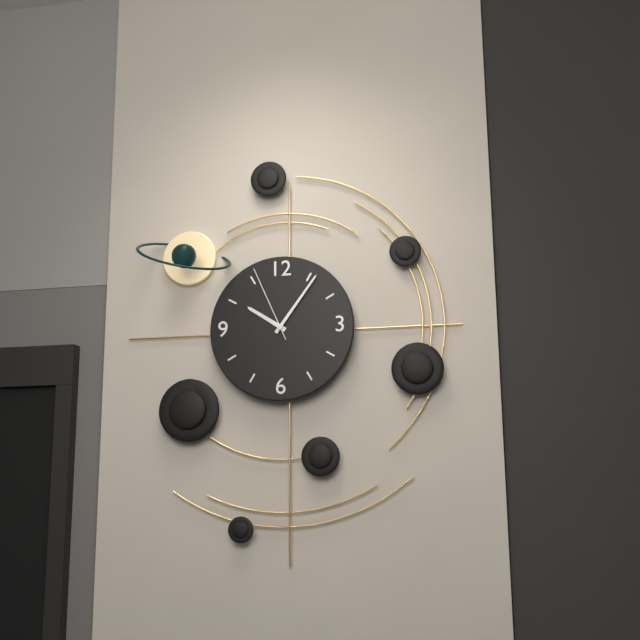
10:06:56
